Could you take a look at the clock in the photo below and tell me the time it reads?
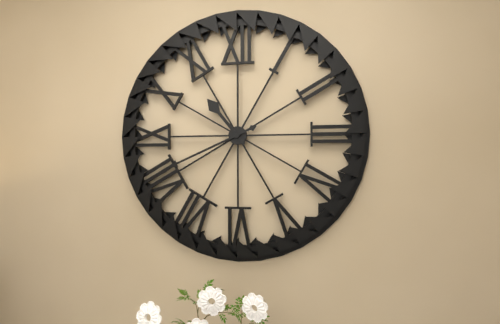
10:41
